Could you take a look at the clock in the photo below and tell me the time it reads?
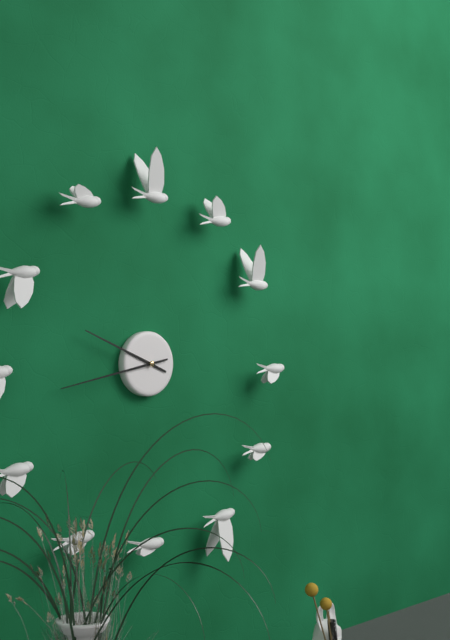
9:43
